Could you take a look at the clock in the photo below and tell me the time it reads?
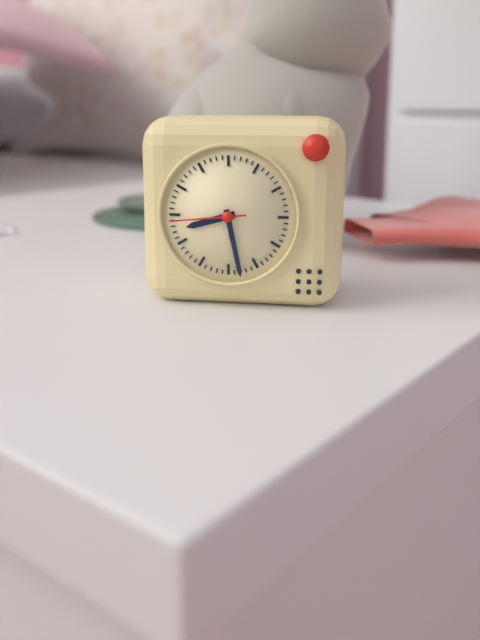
8:28:44
